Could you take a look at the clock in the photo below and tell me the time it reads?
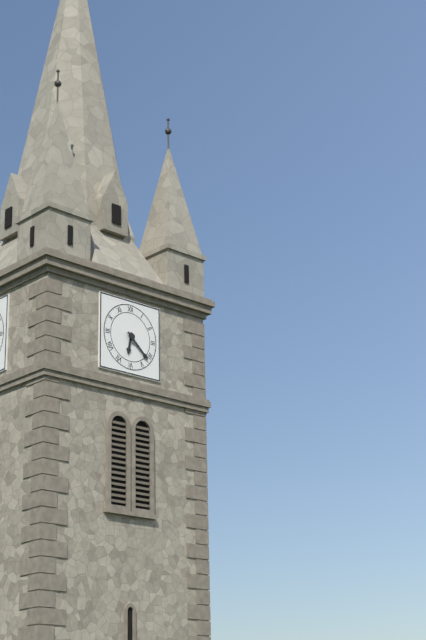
6:22
